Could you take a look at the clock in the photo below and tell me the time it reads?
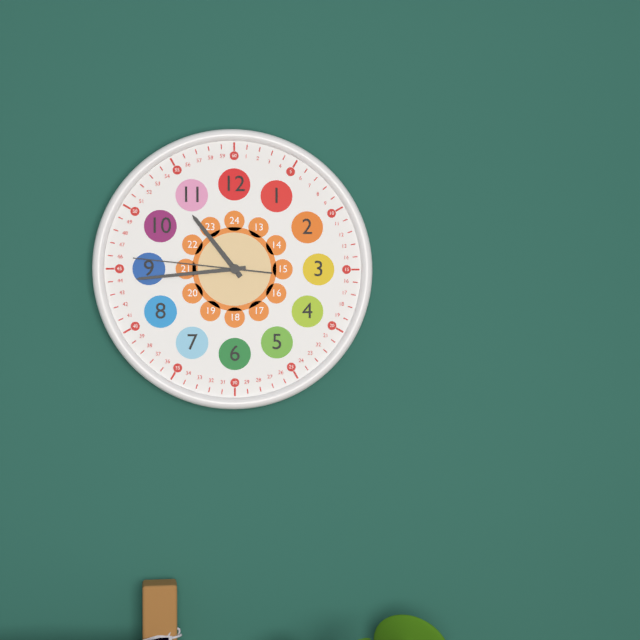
10:44:46
